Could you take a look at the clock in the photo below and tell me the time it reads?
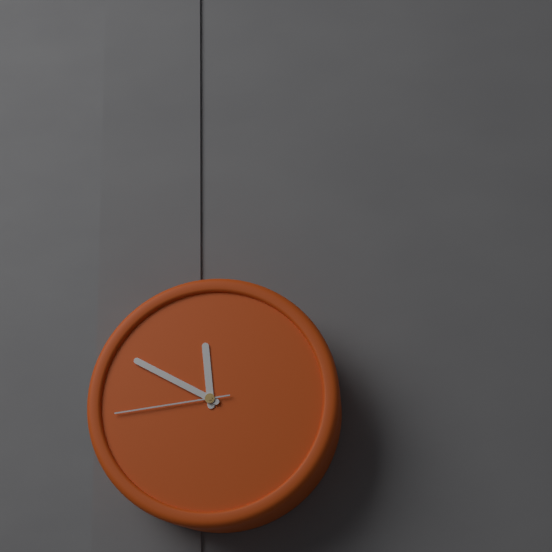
11:50:44
